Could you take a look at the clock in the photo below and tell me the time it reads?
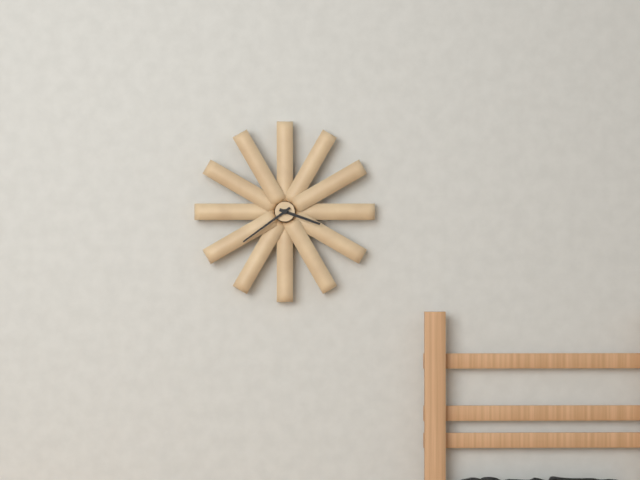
3:39
